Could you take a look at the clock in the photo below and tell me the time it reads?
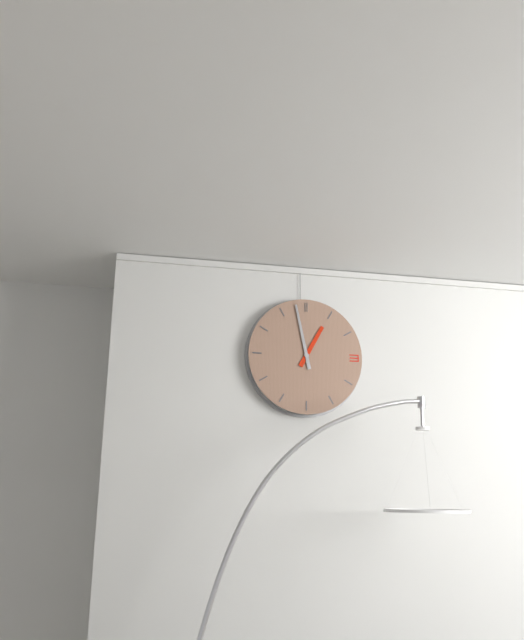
12:58
